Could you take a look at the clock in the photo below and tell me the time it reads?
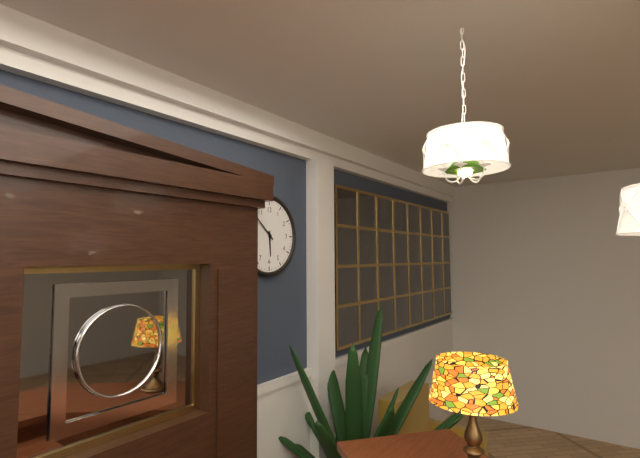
5:52
